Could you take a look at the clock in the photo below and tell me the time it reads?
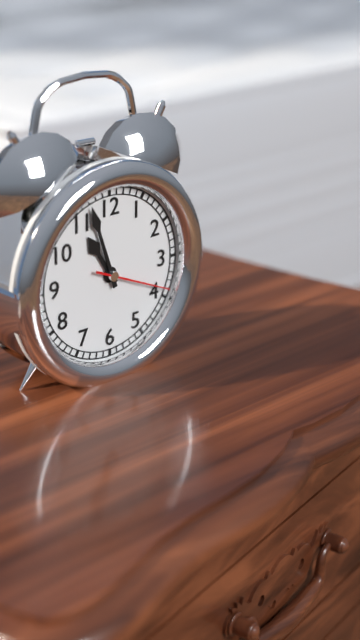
10:57:19
